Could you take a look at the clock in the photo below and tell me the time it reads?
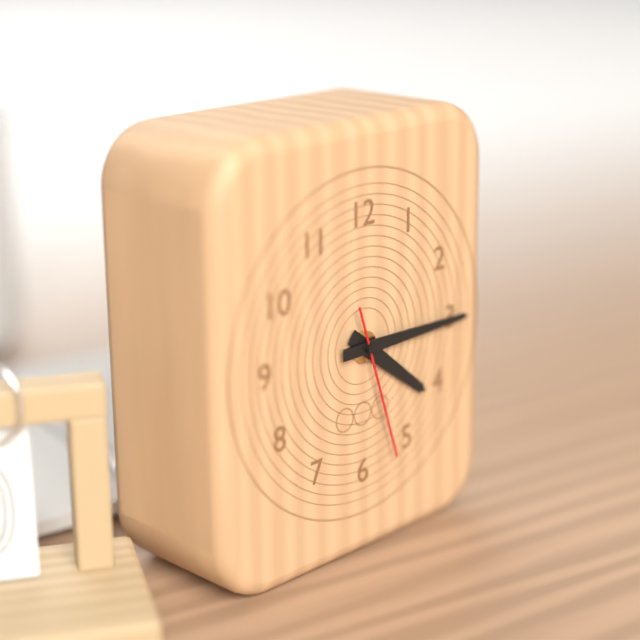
4:15:27
